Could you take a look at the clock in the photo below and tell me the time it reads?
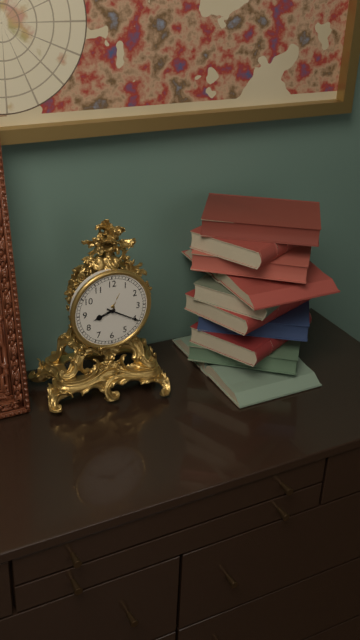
8:20
